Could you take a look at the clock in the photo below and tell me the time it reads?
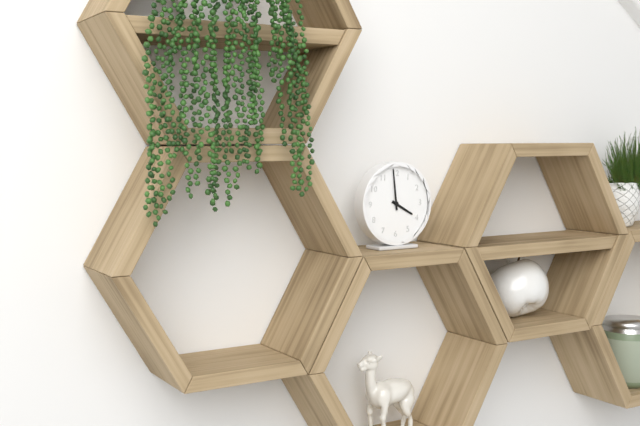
3:59
